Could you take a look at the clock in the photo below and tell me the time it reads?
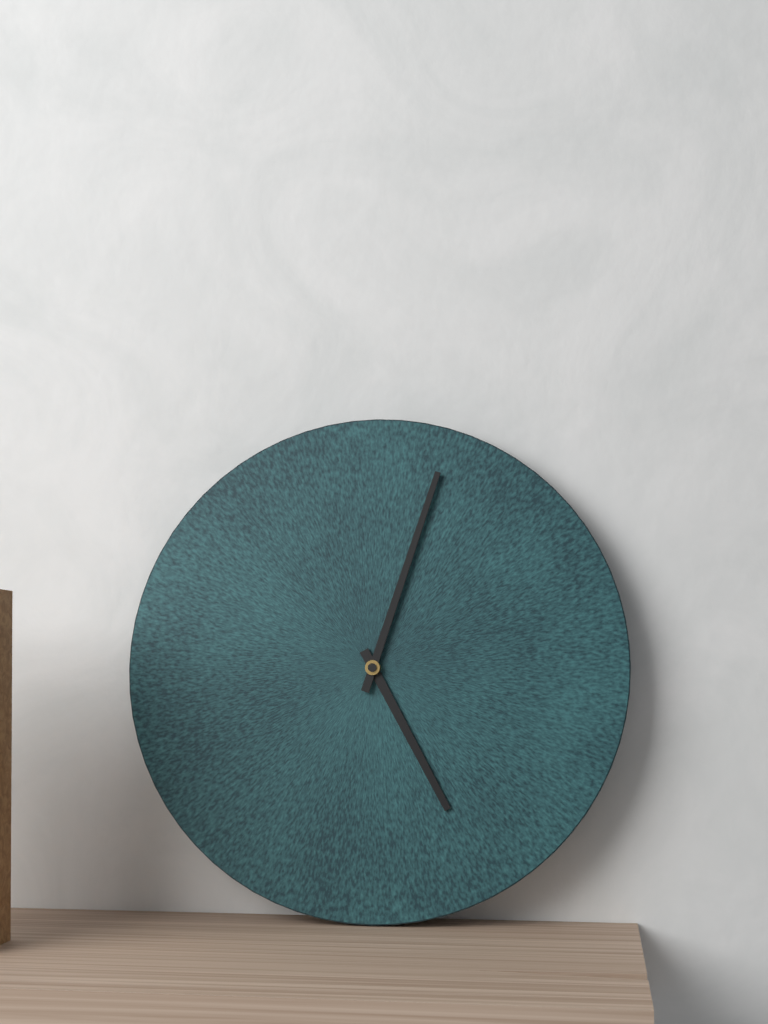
5:03
